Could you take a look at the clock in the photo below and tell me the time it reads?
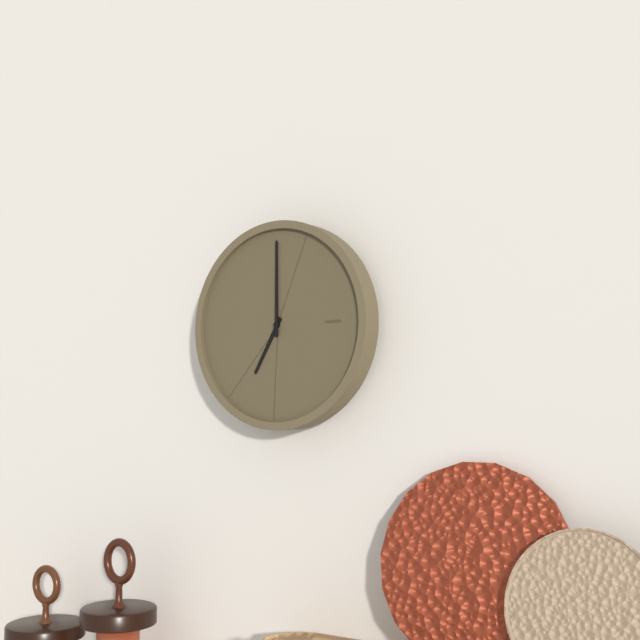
7:00
